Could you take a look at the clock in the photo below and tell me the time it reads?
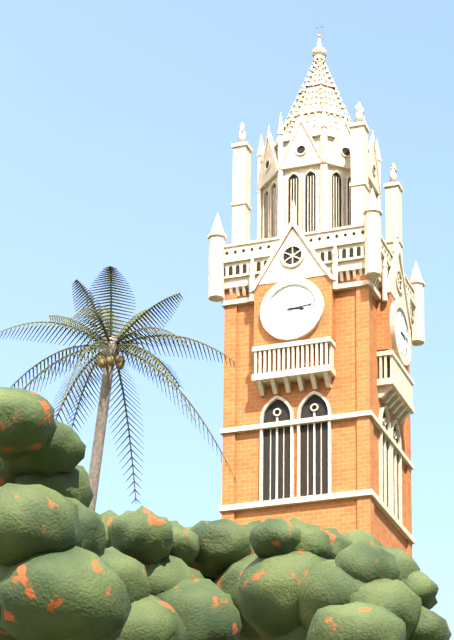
3:14
